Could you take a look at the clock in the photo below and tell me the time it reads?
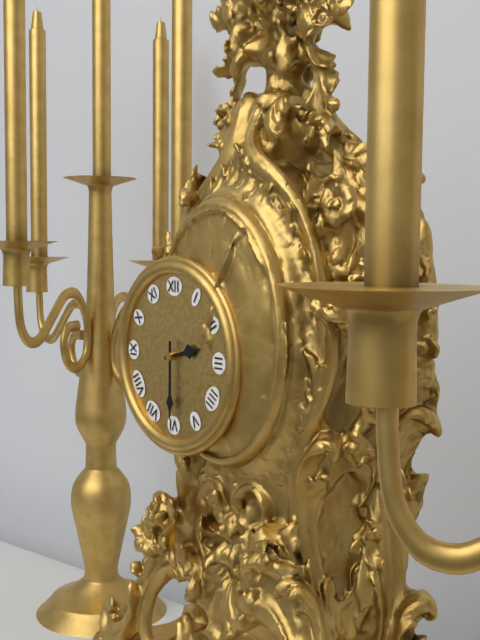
2:30
